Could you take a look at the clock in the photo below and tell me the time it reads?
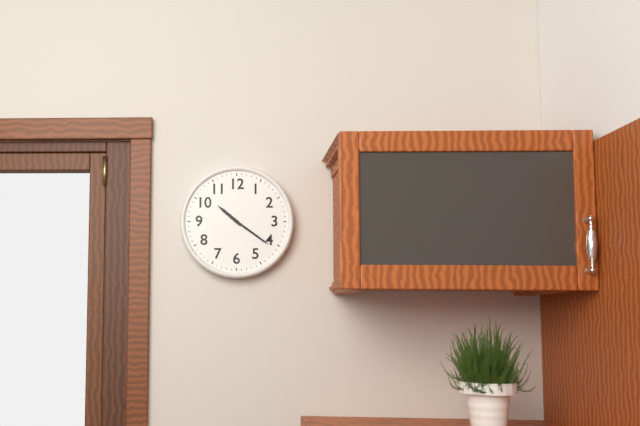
10:21
